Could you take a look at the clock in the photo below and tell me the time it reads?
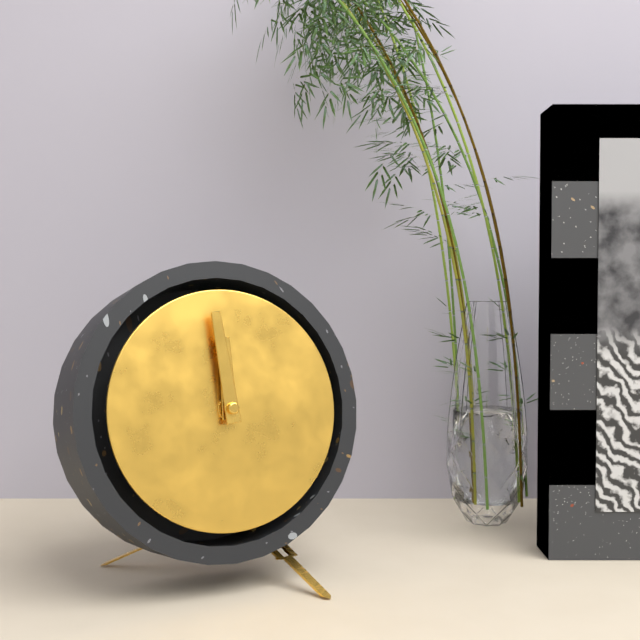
11:59
